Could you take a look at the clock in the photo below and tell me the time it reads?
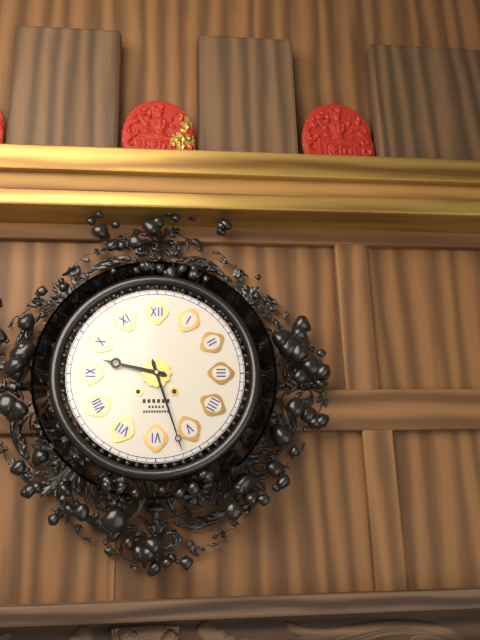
9:27
